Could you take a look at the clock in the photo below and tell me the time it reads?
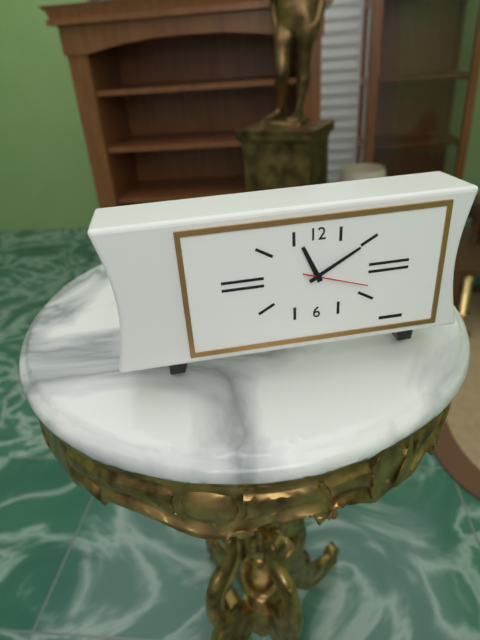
11:10:18
